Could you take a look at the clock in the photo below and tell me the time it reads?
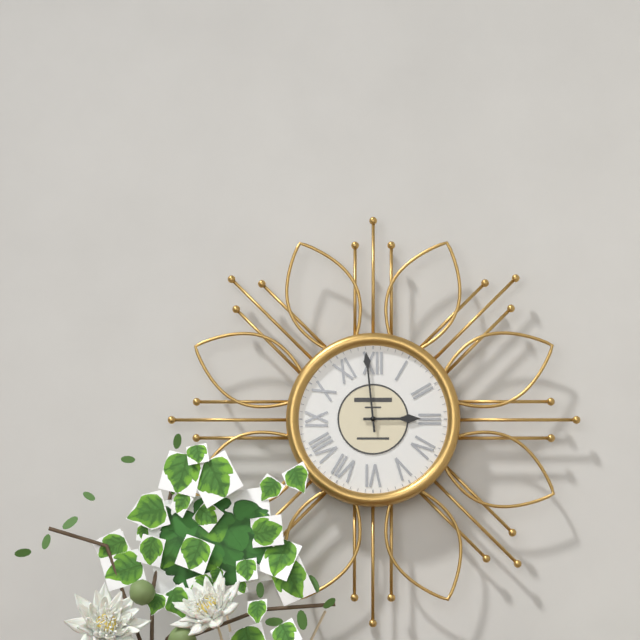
2:59
